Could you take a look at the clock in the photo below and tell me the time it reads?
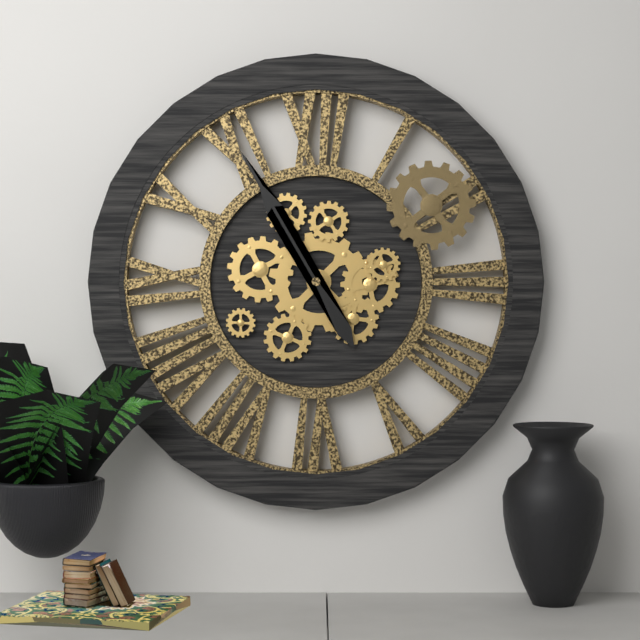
10:55
